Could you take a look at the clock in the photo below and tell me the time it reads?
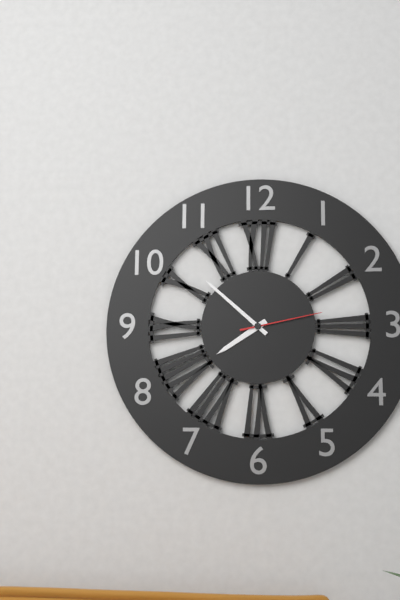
7:52:13
